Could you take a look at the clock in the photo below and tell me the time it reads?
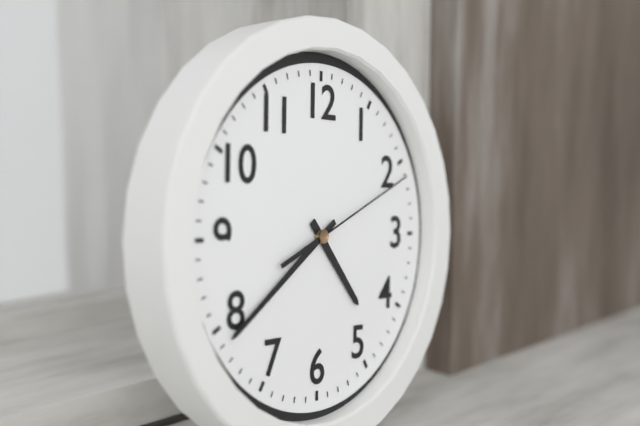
4:39:11
